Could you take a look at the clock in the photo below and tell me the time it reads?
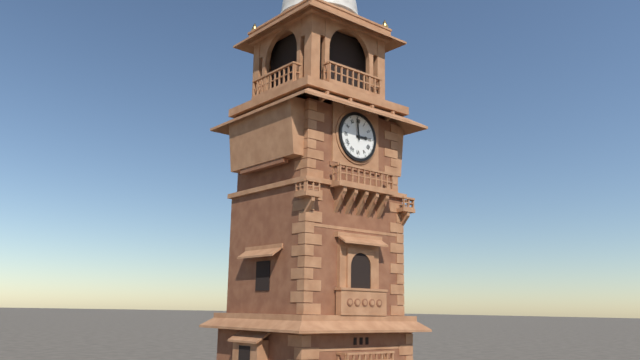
2:59
